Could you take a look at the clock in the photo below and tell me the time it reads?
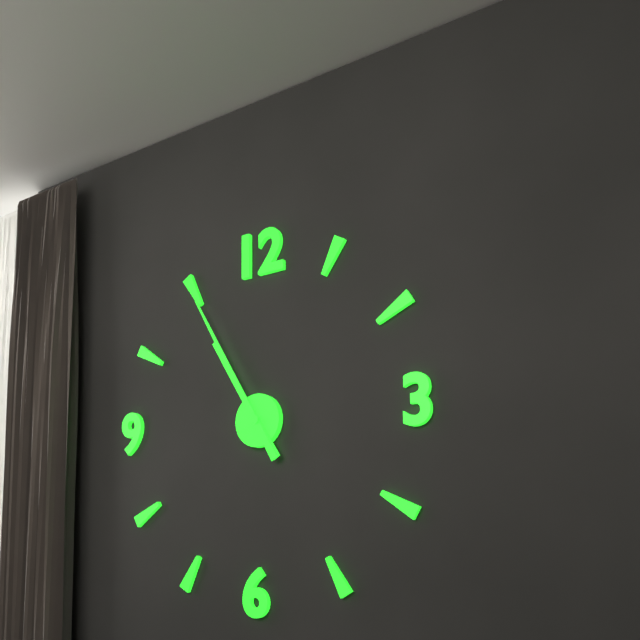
10:55
